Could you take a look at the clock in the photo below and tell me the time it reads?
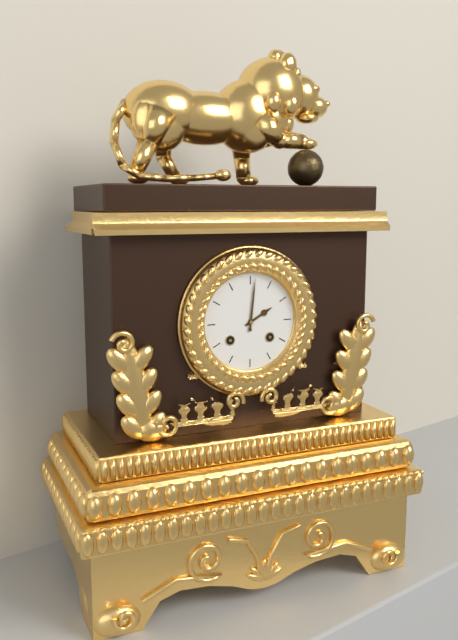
2:01
